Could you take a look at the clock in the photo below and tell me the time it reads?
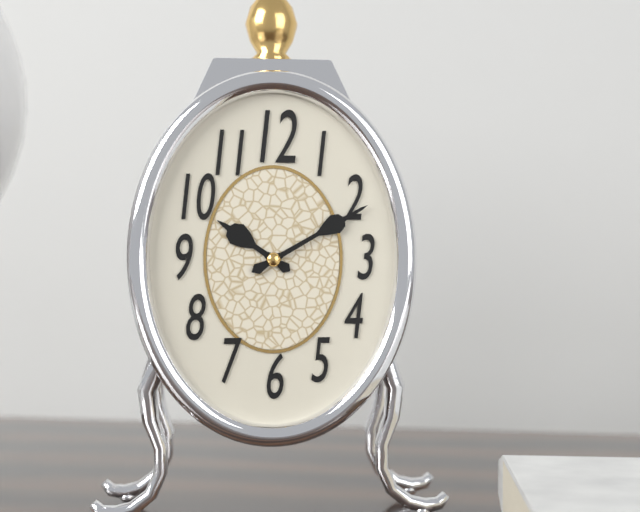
10:10
